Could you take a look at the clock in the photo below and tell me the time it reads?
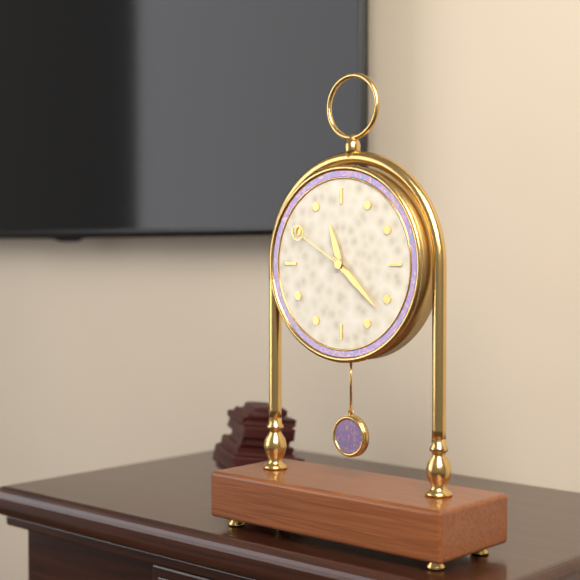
11:22:50
